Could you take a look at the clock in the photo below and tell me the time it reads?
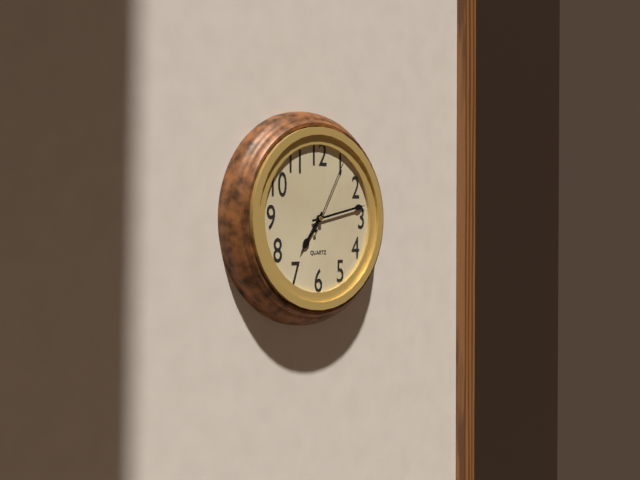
7:13:05
